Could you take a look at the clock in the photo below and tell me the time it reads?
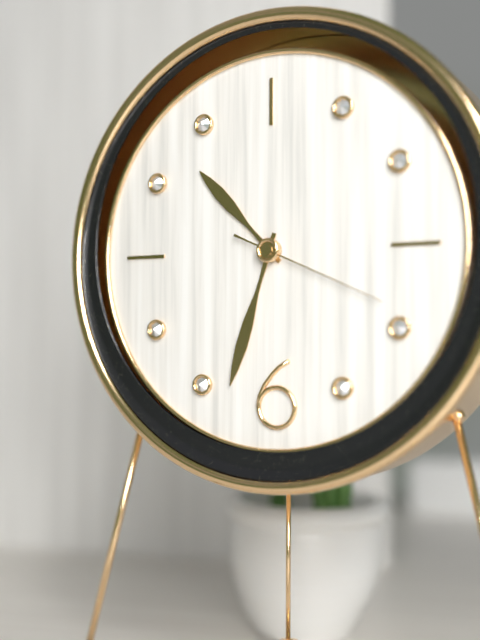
10:33:19
